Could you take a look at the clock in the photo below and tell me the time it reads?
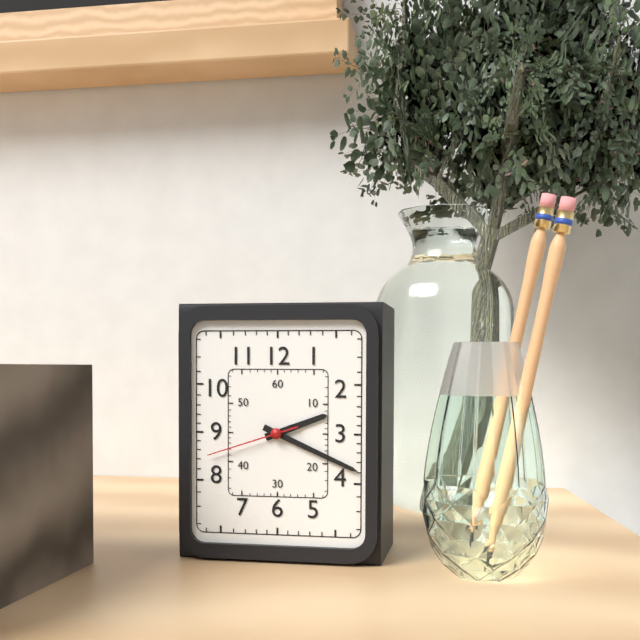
2:19:42
